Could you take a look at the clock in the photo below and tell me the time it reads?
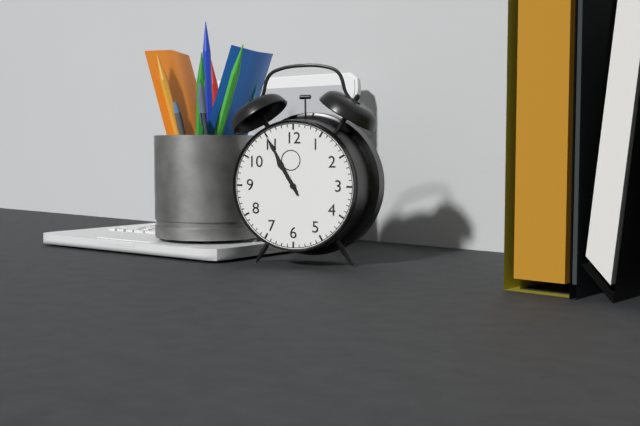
10:55
